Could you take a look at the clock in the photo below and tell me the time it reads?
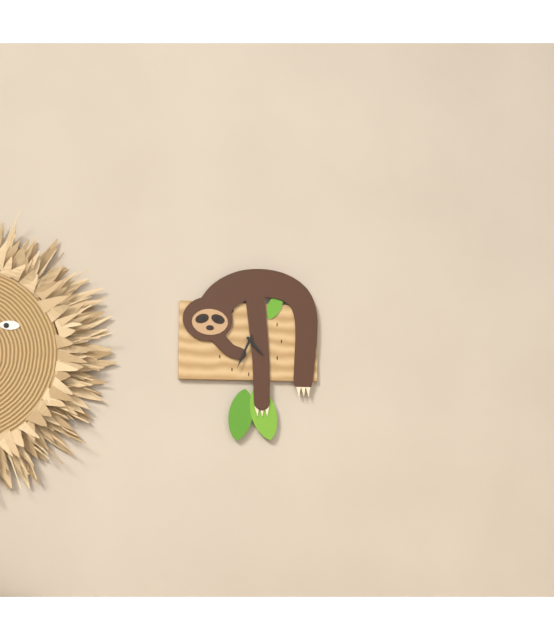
4:34
